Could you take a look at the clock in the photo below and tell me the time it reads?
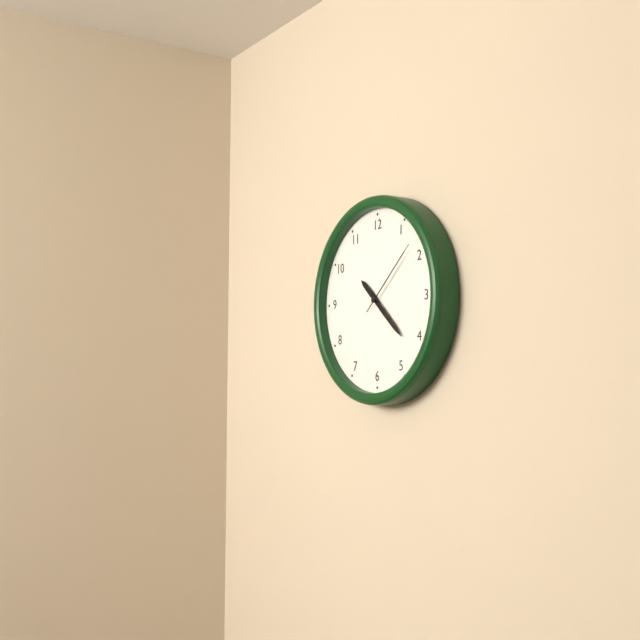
10:22:08
